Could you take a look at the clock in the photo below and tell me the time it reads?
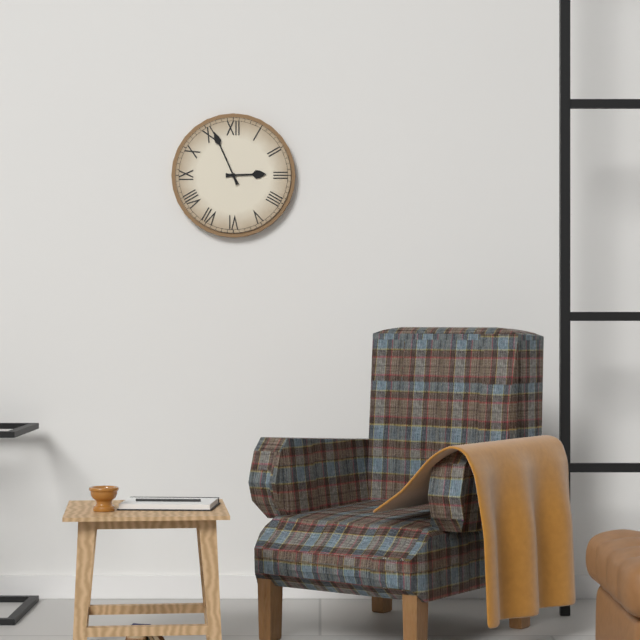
2:56
